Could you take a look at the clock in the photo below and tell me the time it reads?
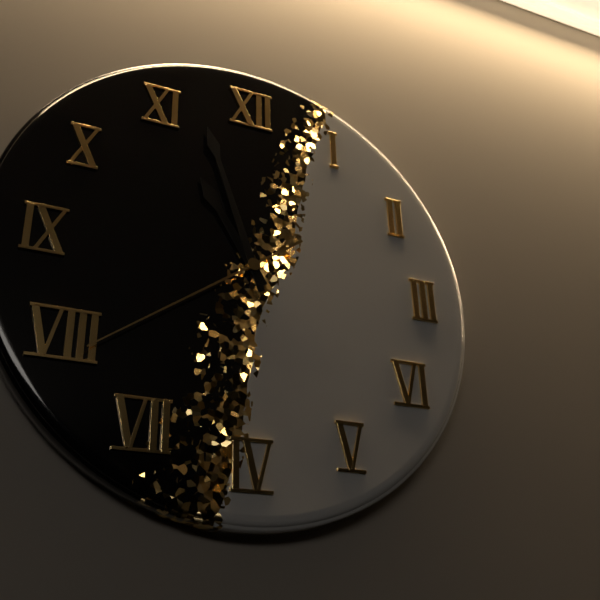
10:57:39
